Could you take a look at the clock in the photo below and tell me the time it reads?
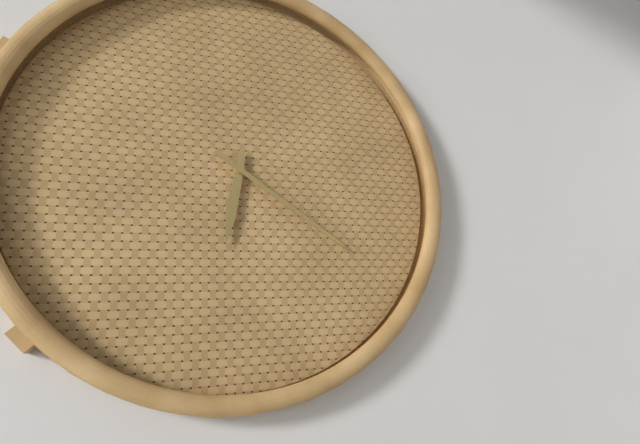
6:21
